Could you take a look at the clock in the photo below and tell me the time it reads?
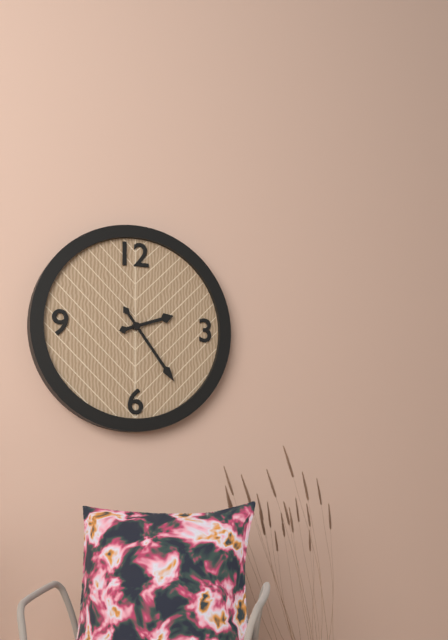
2:24
